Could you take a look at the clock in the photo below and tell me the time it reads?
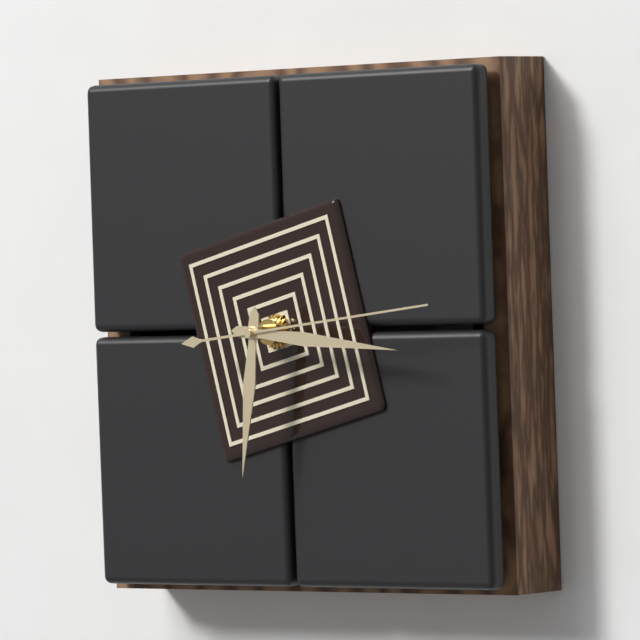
6:16:14
